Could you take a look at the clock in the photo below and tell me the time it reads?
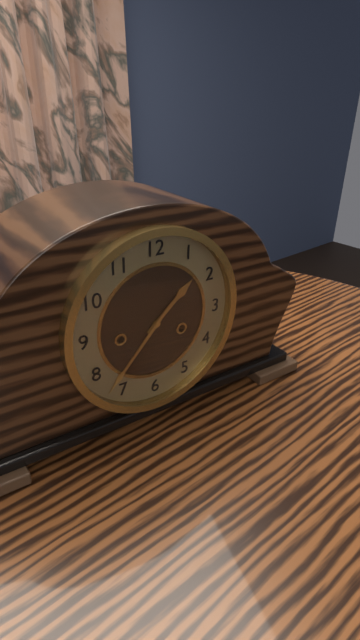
1:37
